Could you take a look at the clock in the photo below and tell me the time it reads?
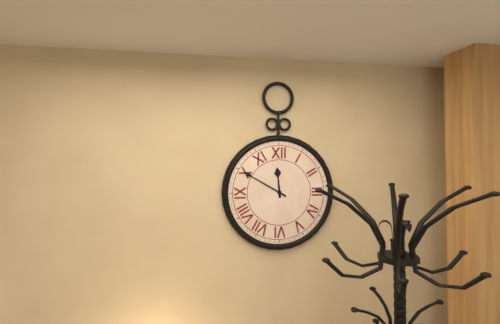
11:50
